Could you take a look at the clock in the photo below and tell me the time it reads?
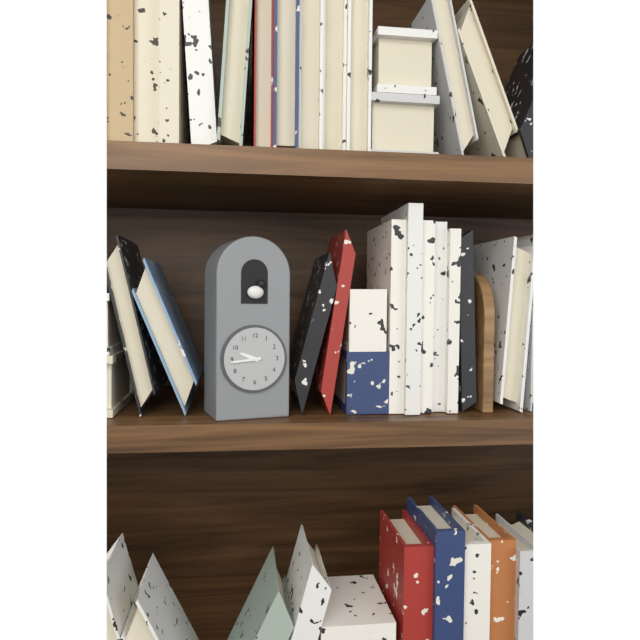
9:44
